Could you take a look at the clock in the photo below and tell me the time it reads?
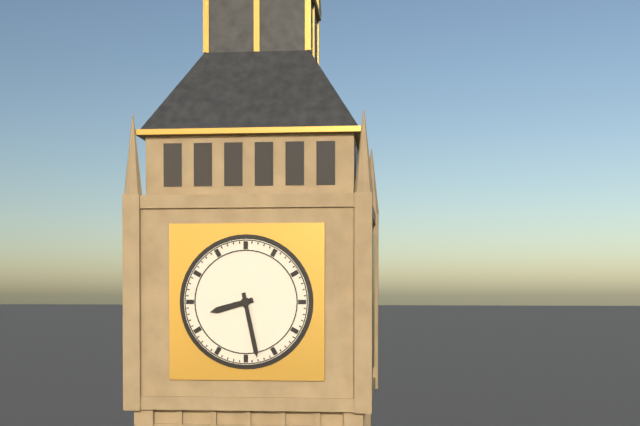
8:28
